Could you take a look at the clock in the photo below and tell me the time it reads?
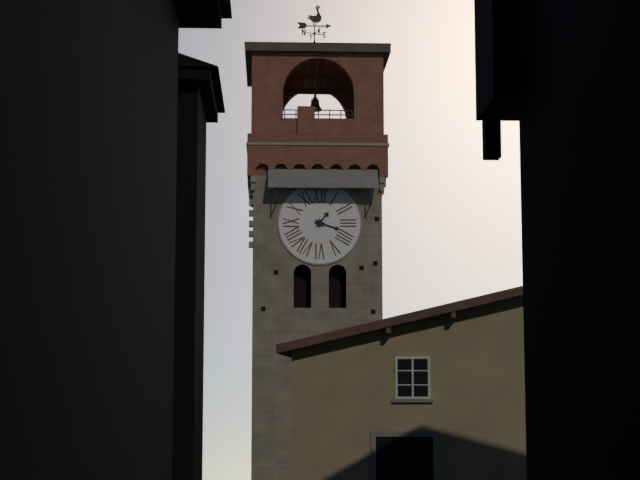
1:18
